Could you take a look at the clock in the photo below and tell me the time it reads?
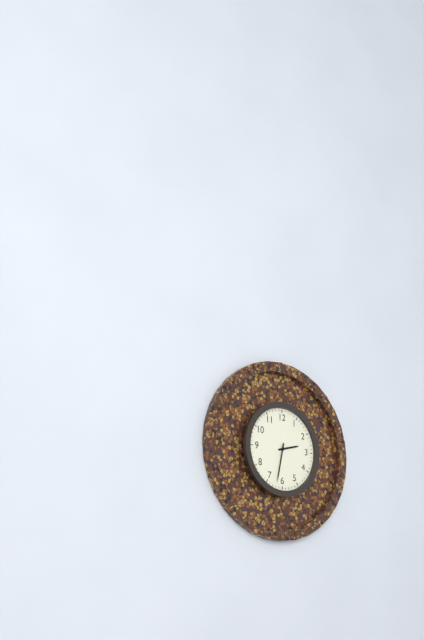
2:32
